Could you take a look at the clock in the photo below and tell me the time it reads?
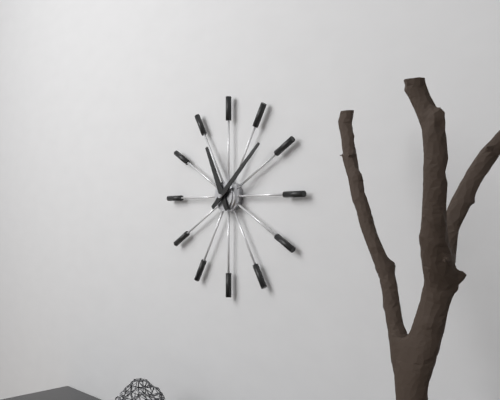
11:08
